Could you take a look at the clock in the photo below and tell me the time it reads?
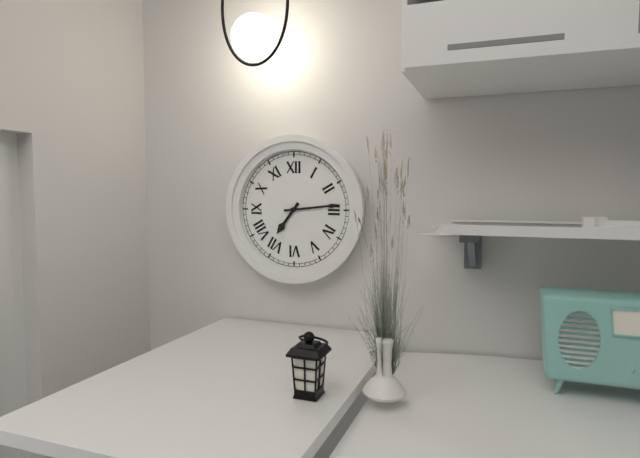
7:14
